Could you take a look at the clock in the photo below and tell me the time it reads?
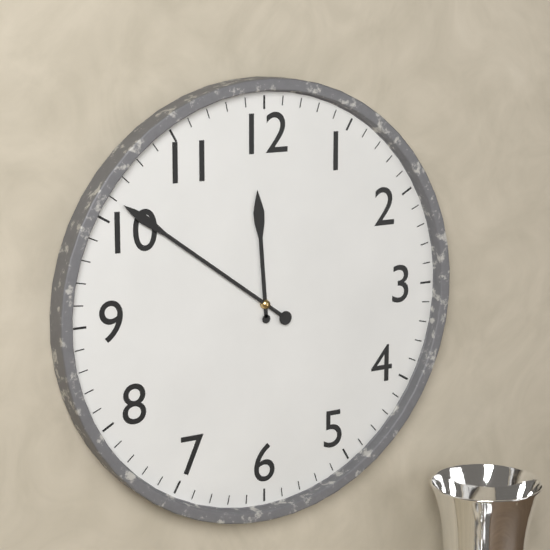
11:51
